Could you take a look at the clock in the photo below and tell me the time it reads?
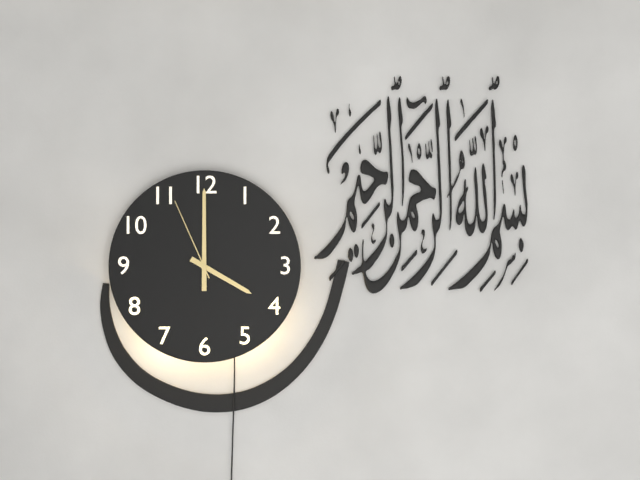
4:00:56
